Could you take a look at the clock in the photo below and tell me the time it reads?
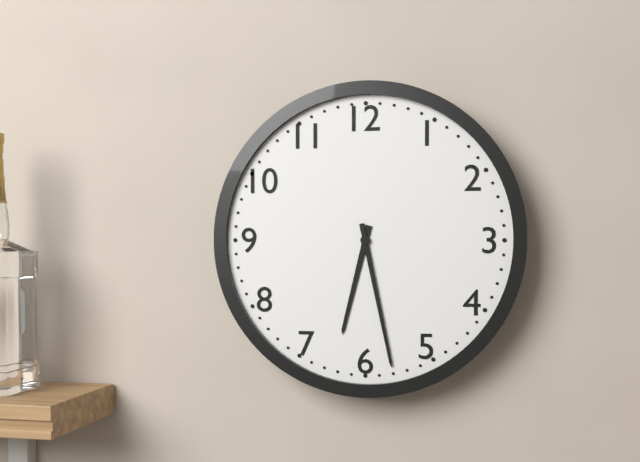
6:28
